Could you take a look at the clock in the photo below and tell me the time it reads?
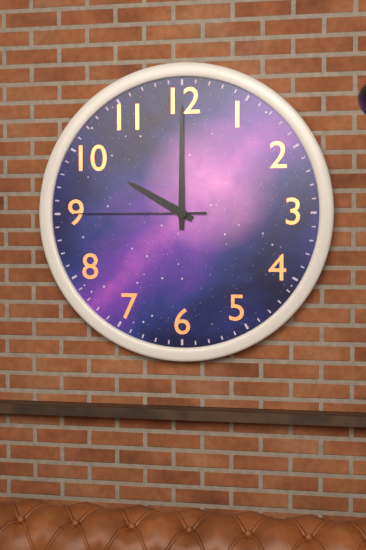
10:00:45
